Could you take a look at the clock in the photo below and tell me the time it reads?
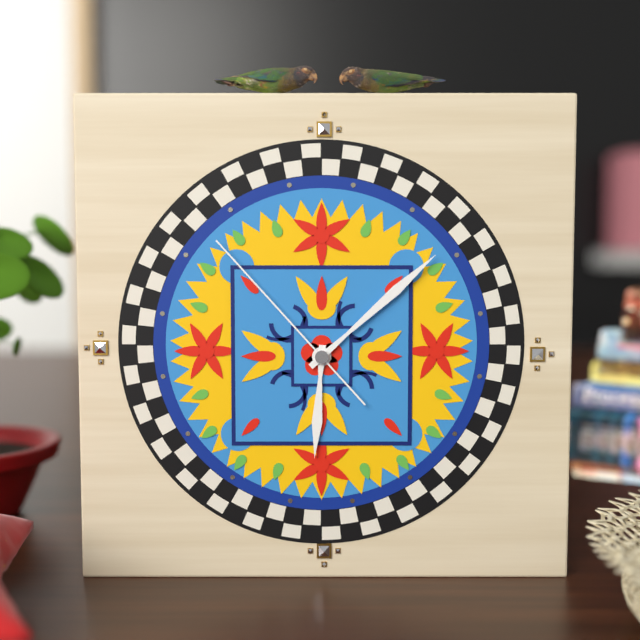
6:08:53
